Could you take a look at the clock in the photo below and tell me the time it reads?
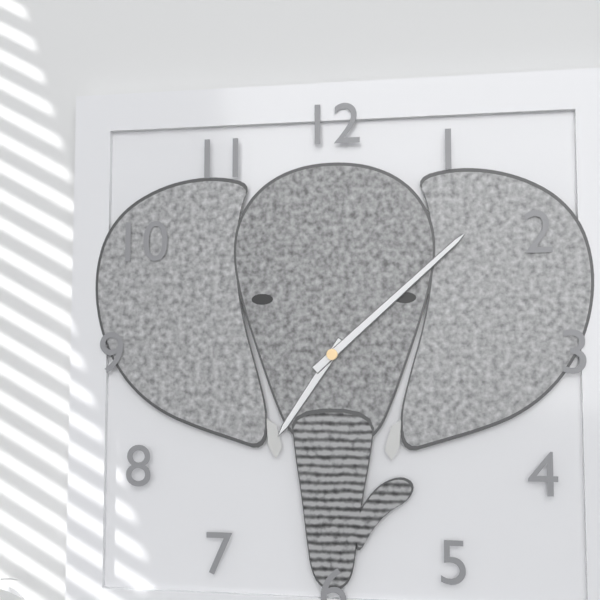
7:08
